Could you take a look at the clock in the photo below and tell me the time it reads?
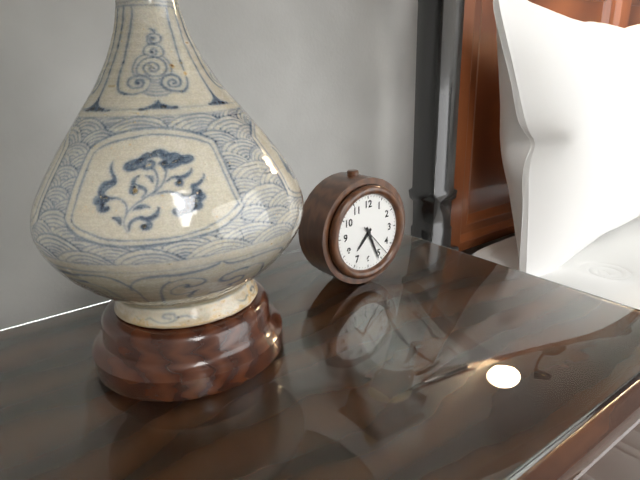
7:26
